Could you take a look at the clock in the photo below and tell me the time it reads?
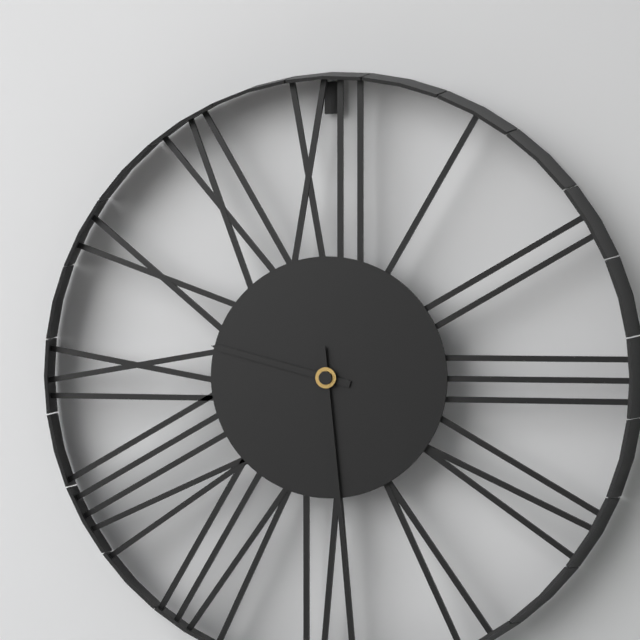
9:29
